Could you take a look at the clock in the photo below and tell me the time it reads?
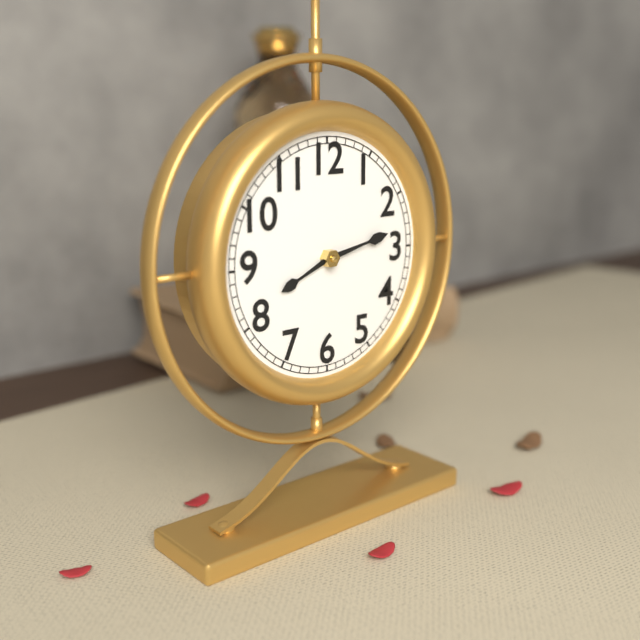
8:13
